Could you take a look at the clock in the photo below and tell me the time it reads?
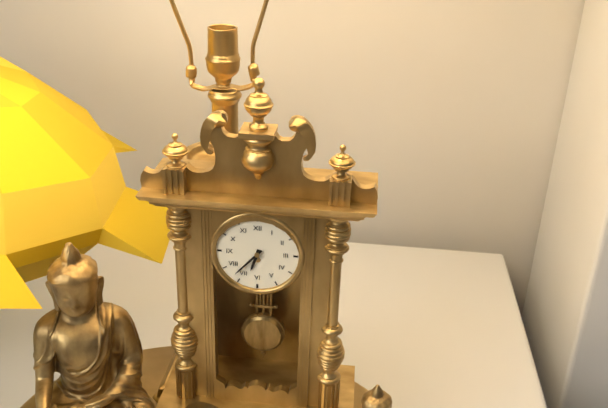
6:37
